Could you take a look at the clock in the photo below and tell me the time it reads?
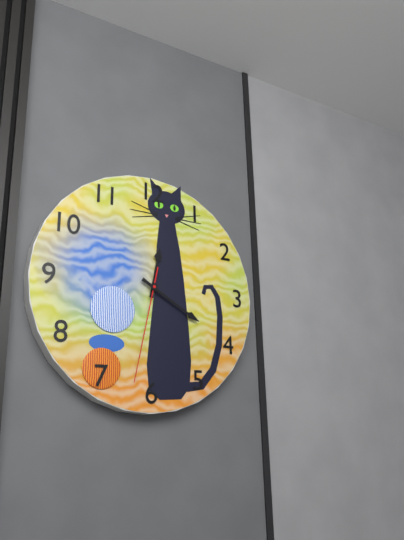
12:20:32
